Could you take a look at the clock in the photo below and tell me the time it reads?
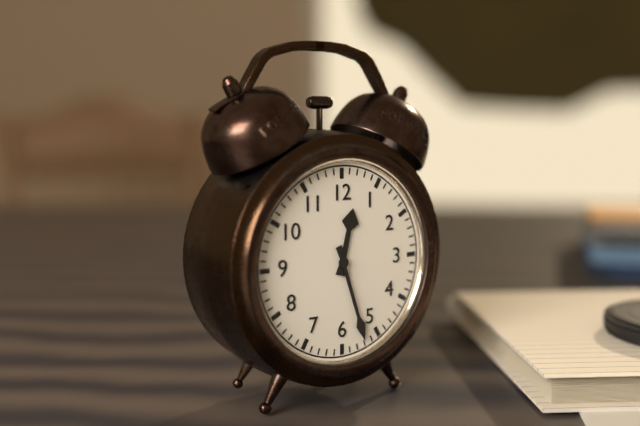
12:27
